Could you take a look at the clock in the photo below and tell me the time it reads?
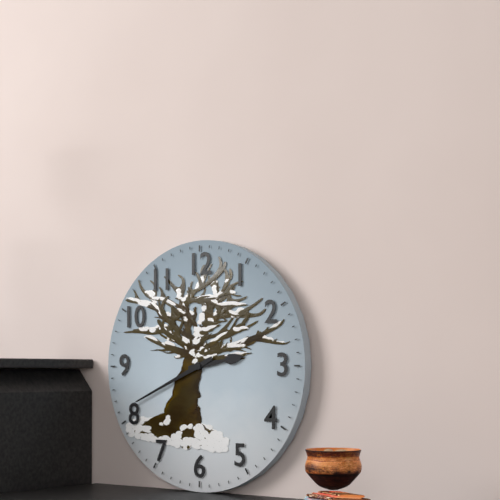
2:41
